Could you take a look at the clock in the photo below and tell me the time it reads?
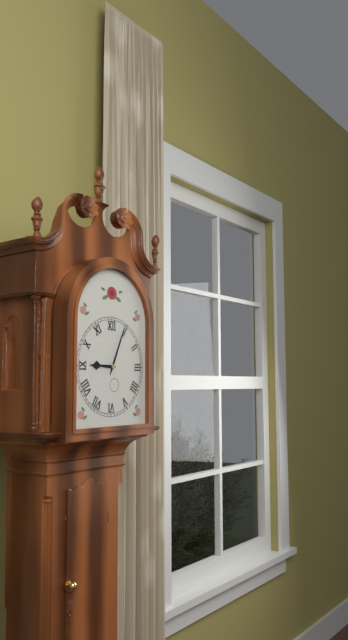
9:04
